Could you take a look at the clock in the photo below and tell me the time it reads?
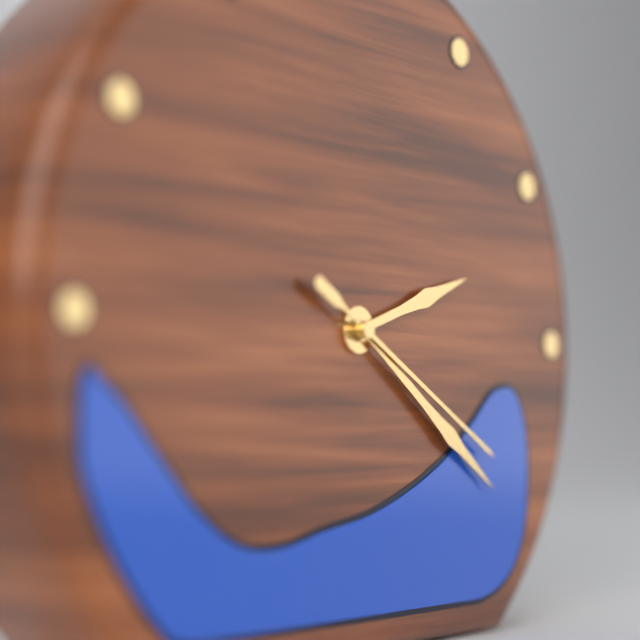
2:21:20
